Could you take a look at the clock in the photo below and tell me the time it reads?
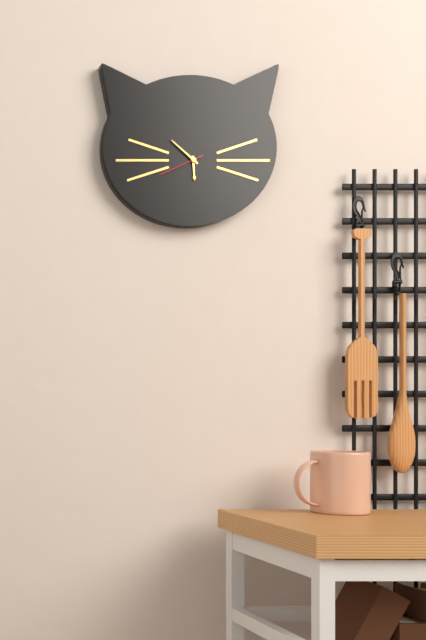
5:52
